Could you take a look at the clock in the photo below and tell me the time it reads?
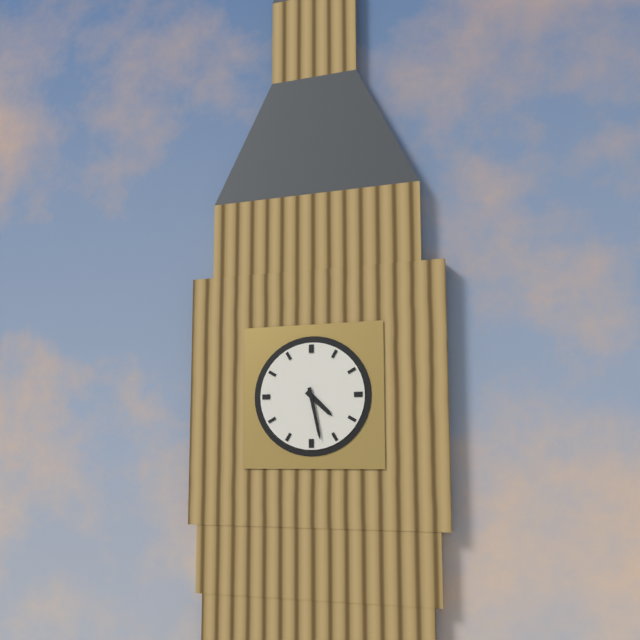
4:28
